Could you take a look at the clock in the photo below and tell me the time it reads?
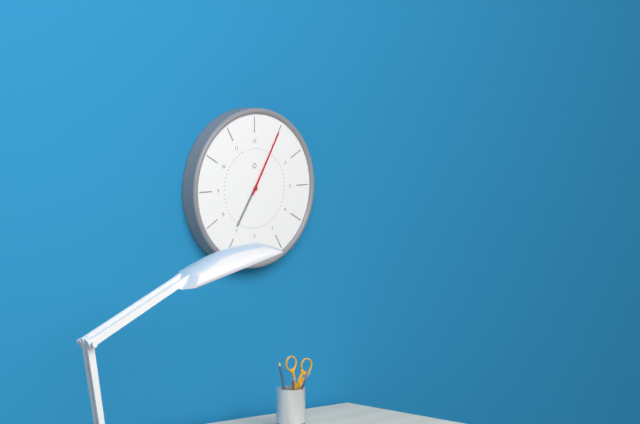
7:05
